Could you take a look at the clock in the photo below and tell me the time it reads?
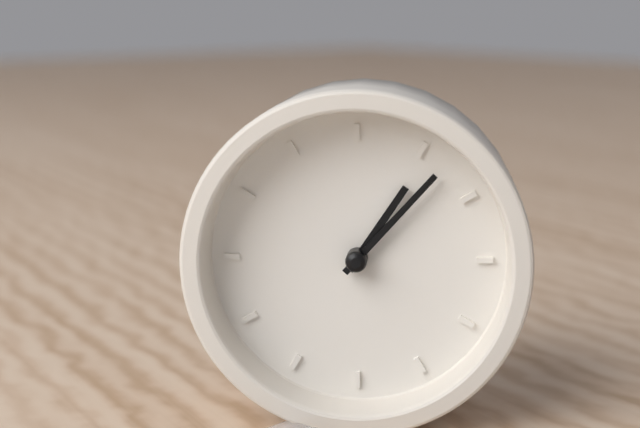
1:07
